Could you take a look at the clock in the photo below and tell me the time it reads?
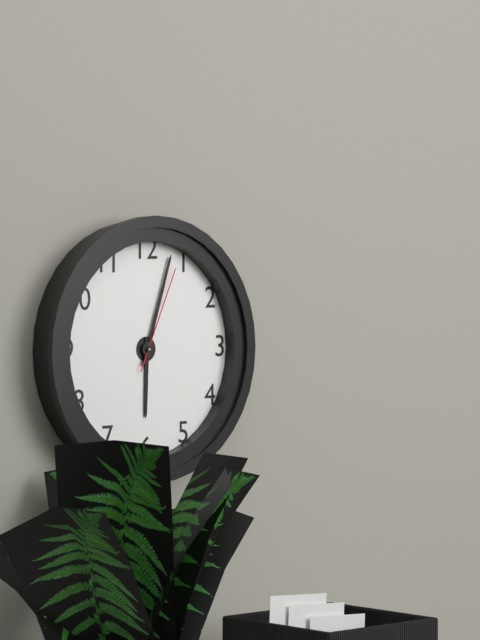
6:03:04
